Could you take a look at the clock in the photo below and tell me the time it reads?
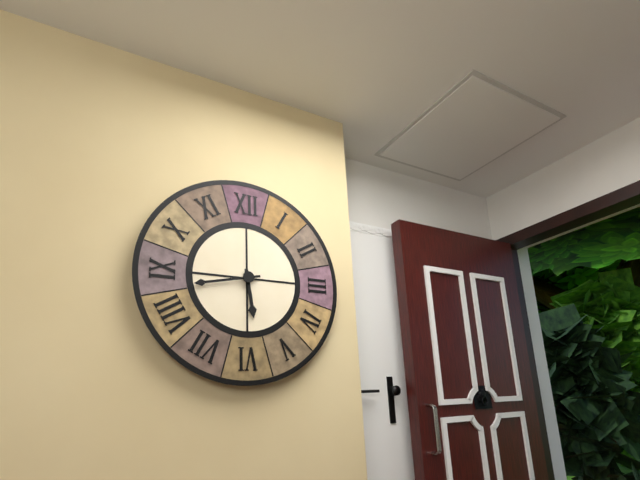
5:43
